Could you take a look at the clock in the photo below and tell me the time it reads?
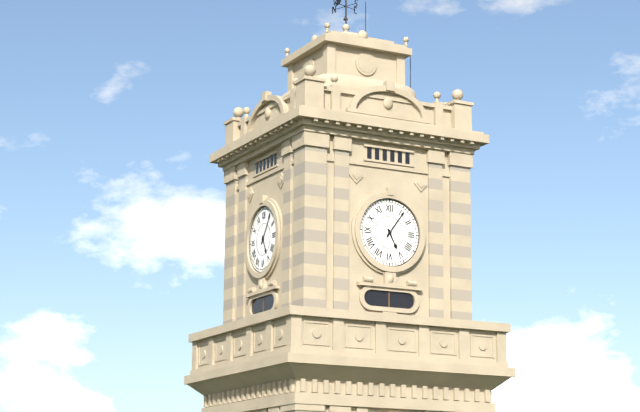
5:06
